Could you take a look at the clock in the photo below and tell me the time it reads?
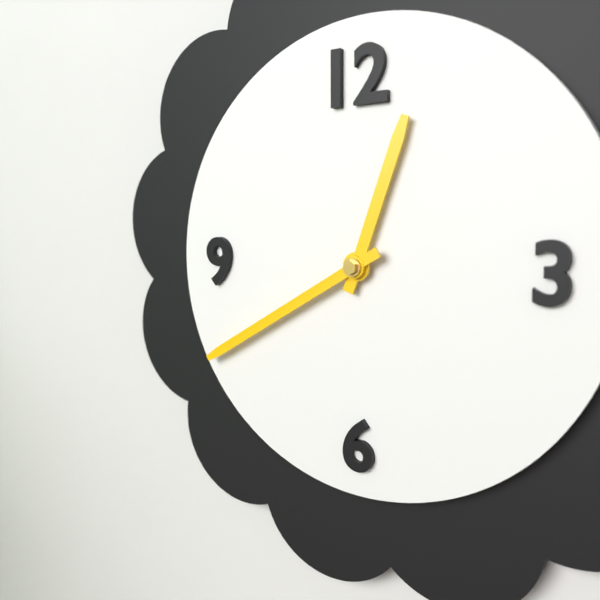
12:40
